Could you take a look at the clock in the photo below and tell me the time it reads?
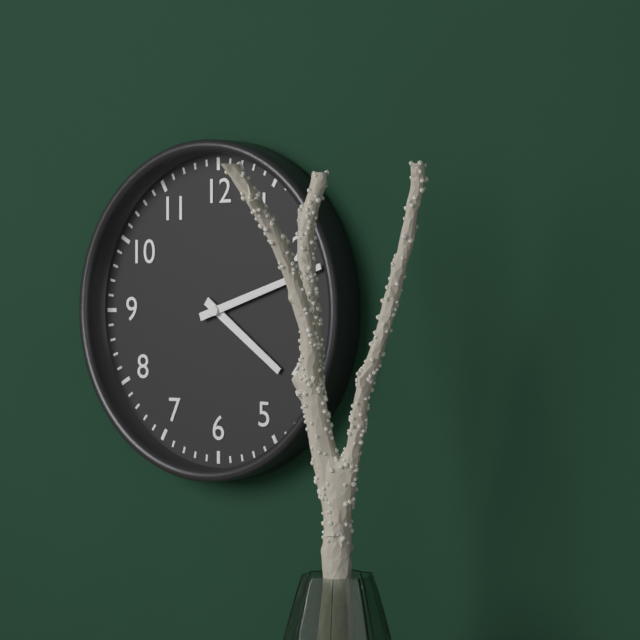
4:12
